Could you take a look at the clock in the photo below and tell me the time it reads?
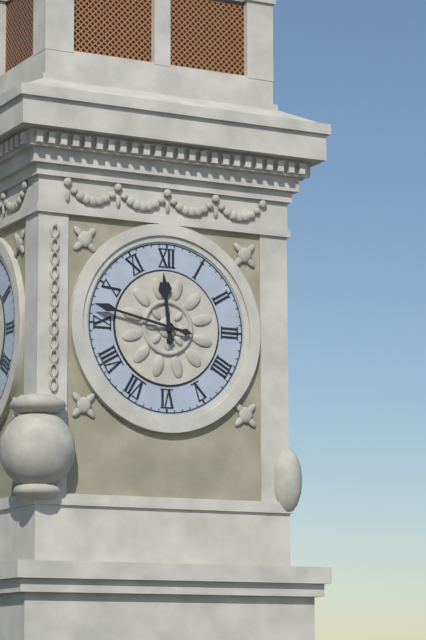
11:47
